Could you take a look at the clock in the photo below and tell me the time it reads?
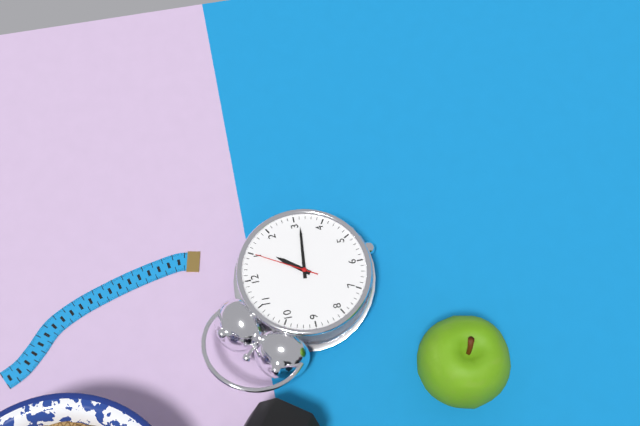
1:16:05
